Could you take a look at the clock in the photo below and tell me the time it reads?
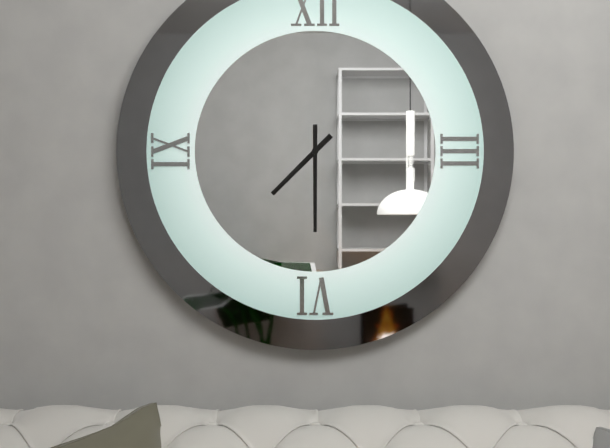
7:30
